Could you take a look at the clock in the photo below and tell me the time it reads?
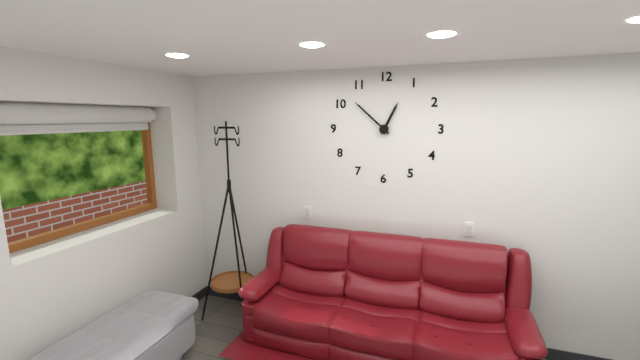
12:52
